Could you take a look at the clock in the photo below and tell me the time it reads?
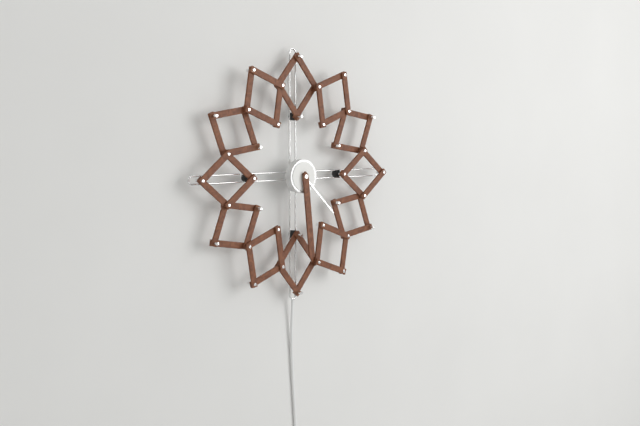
4:29
